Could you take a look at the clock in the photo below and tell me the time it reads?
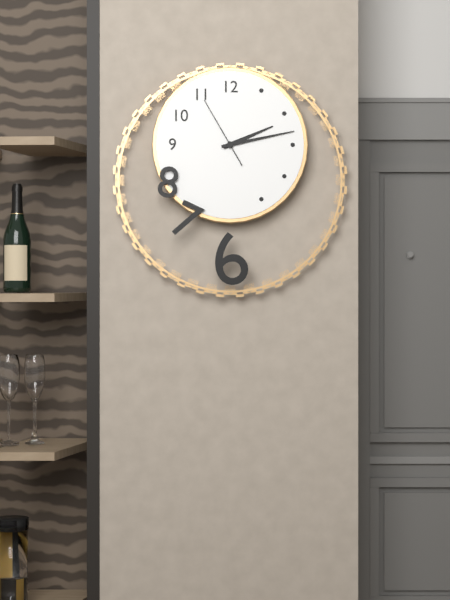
2:13:55
